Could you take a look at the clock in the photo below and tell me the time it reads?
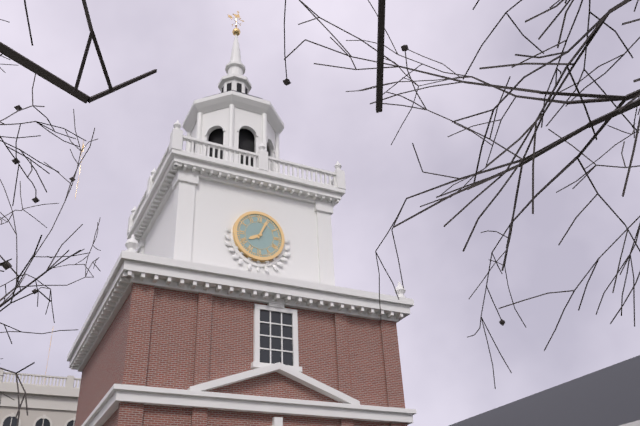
8:04
